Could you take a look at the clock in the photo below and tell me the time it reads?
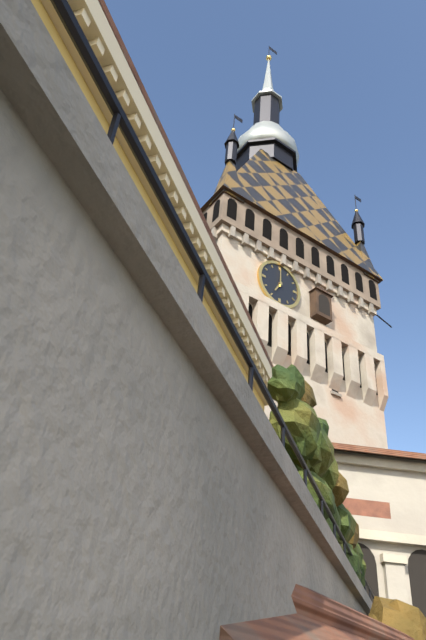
7:00
